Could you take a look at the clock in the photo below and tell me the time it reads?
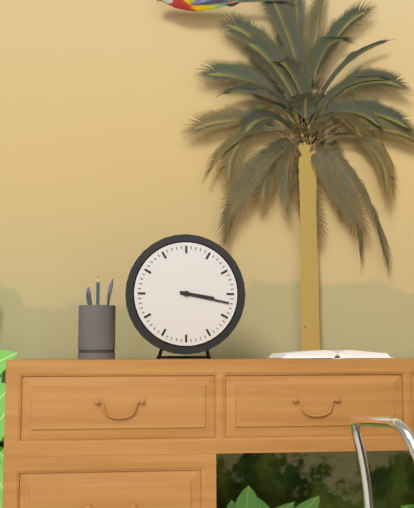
3:17
